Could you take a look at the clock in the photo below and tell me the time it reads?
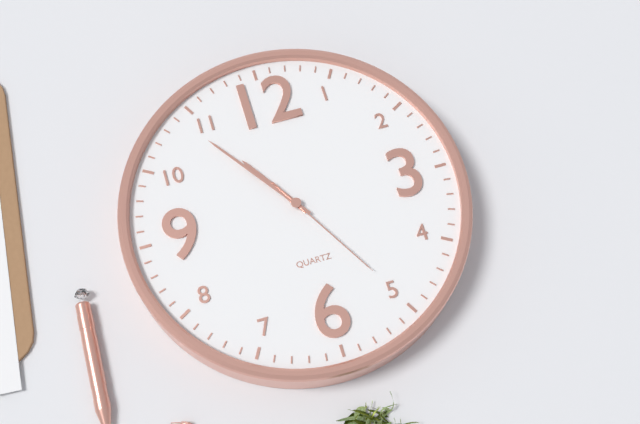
10:54:25
